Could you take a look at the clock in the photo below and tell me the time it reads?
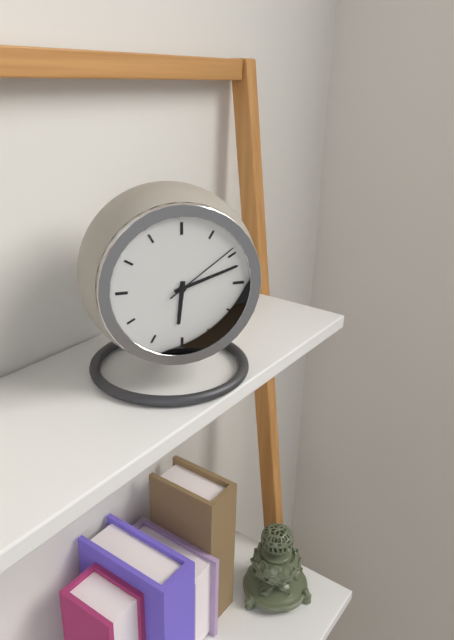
6:12:09
